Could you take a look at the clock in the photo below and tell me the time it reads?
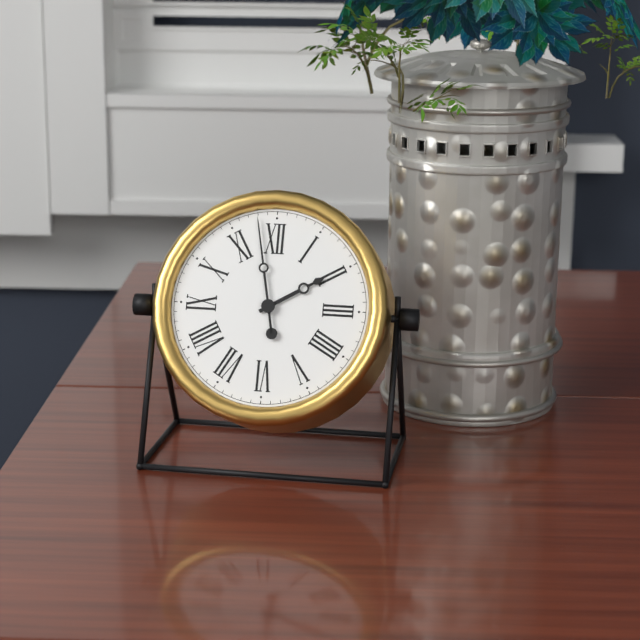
1:58
